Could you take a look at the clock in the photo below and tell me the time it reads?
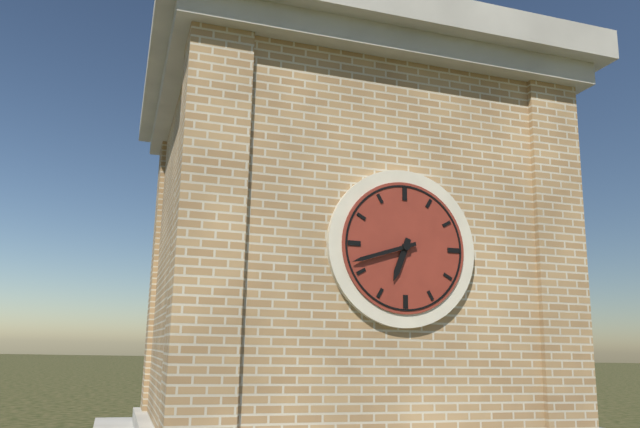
6:42
